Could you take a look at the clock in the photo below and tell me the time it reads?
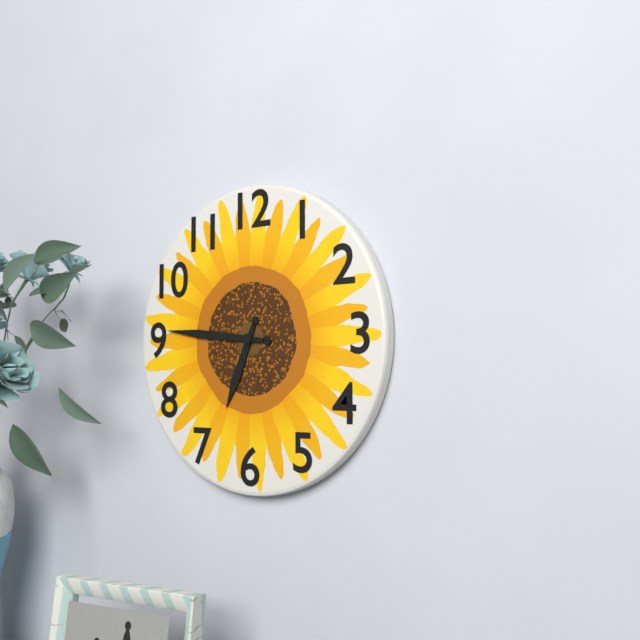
6:46
